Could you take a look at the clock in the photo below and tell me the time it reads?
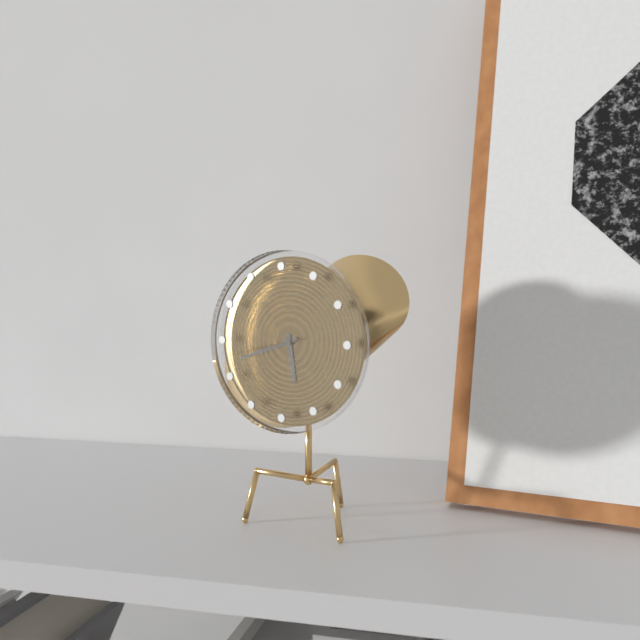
5:42:43
